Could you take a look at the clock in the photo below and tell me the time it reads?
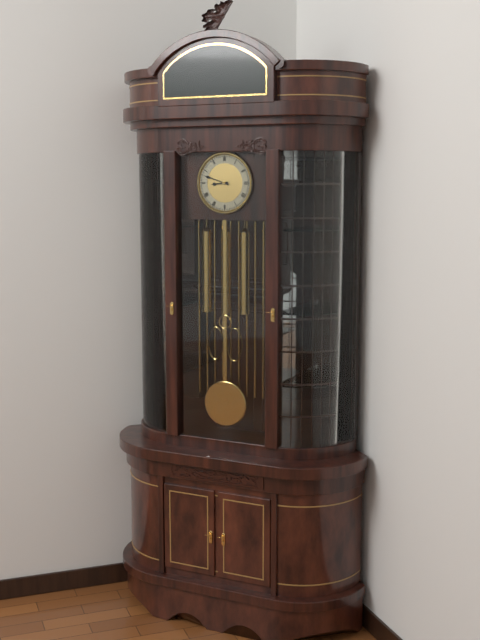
8:48
